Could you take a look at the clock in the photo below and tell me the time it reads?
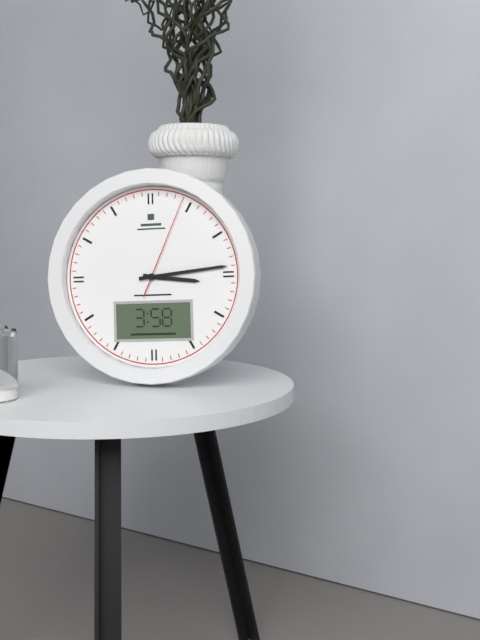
3:14:04
